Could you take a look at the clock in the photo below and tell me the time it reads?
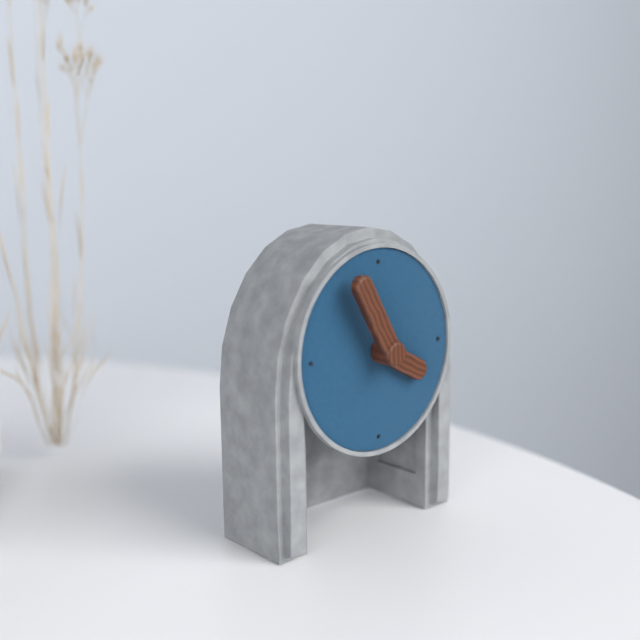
3:55
